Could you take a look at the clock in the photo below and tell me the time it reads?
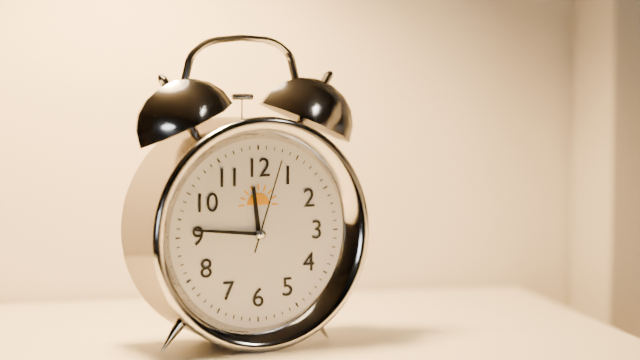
11:46:03
